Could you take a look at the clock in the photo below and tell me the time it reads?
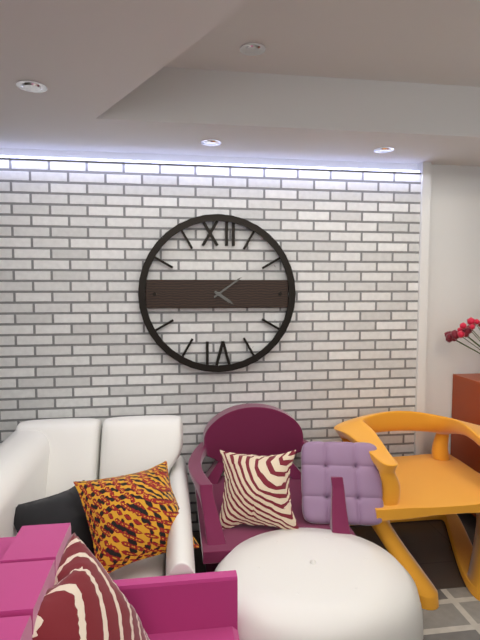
4:09
